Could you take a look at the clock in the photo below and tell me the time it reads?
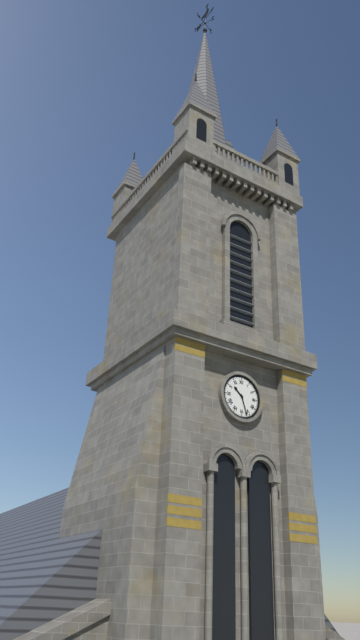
10:27
